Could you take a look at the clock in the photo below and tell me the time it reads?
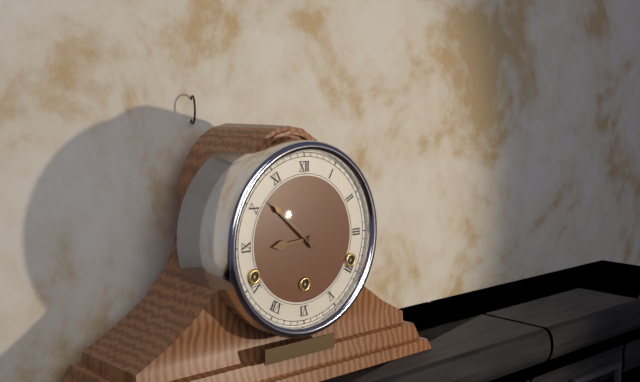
8:52
